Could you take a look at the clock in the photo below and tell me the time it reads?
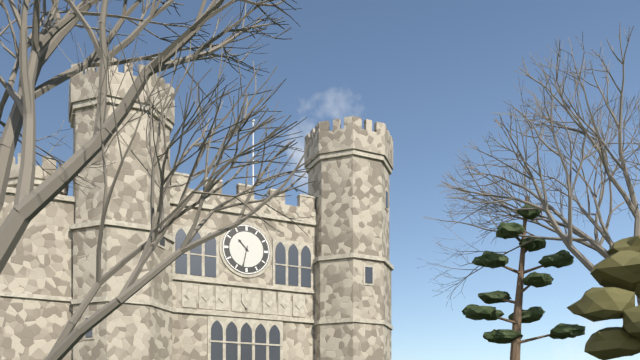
10:32
